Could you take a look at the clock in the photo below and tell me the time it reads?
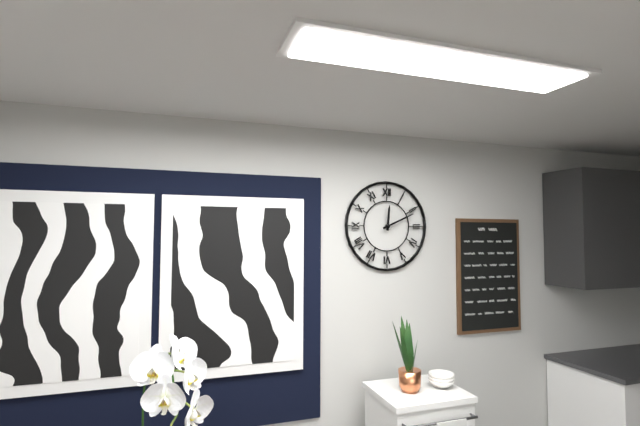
12:11
